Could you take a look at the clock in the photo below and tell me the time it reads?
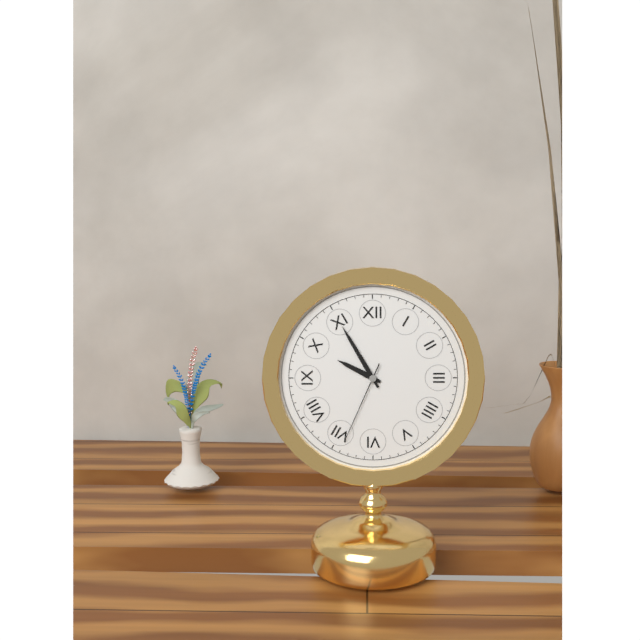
9:55:34
